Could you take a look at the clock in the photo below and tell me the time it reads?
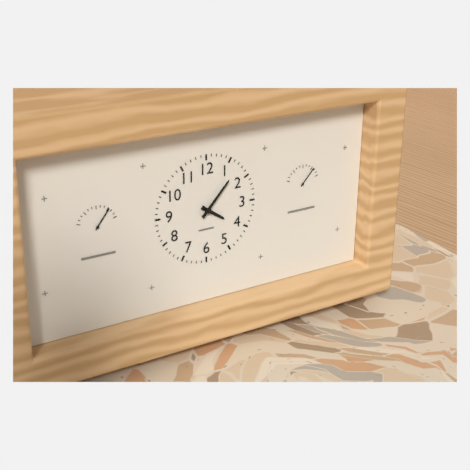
4:07
